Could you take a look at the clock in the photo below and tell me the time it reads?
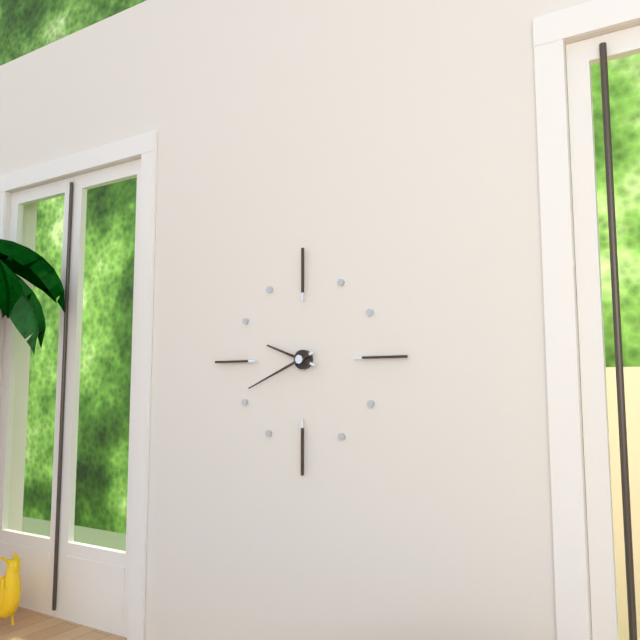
9:41
